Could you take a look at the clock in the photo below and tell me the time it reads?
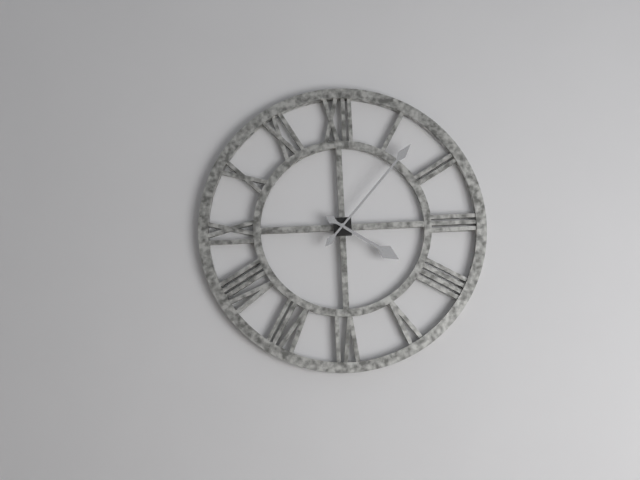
4:07
